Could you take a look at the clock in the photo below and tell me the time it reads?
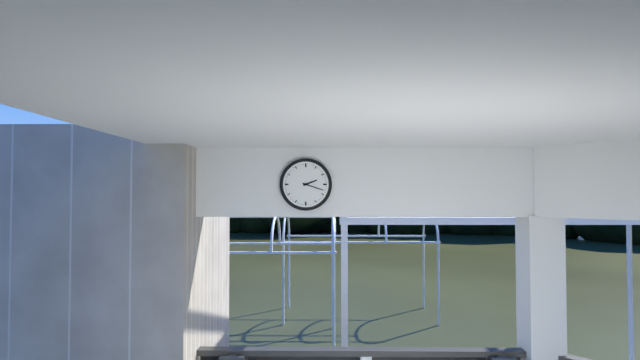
2:18
